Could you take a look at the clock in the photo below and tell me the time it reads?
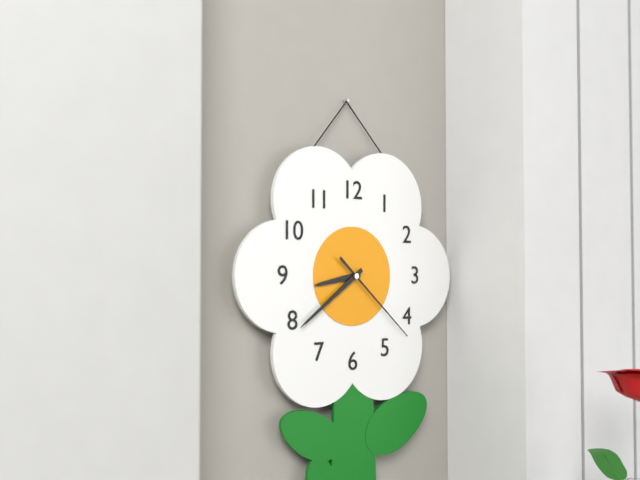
8:39:22
